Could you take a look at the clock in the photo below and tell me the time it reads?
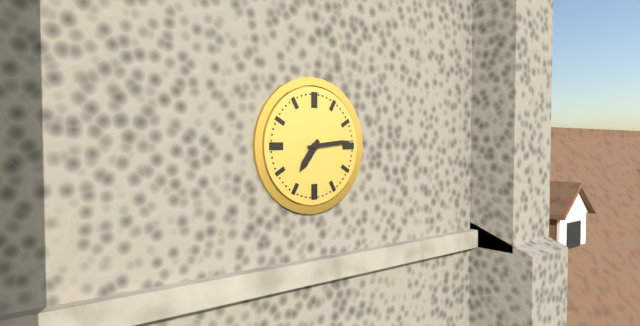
7:14
